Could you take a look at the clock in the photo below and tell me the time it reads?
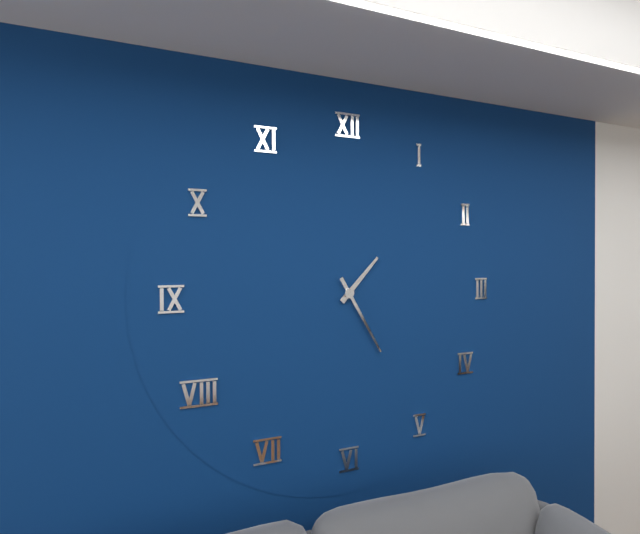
1:25
